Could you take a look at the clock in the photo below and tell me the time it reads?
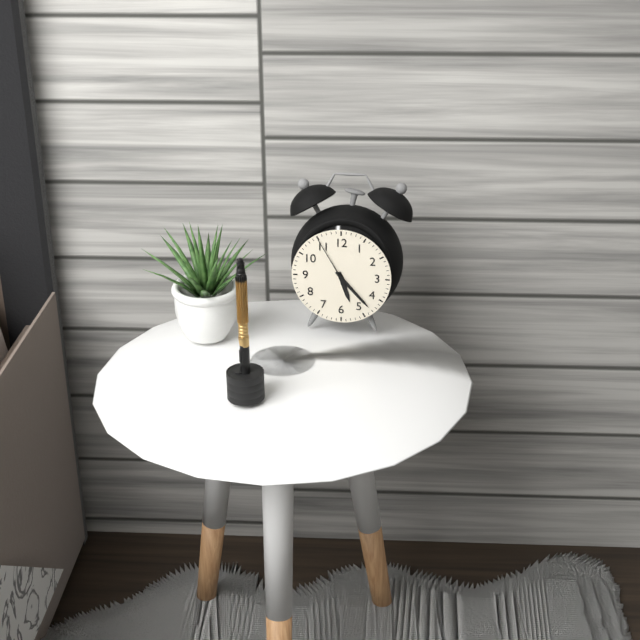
5:23:55
